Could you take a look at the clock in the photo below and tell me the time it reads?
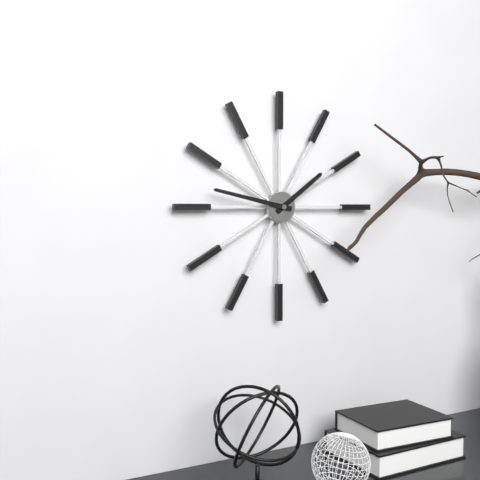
1:47
